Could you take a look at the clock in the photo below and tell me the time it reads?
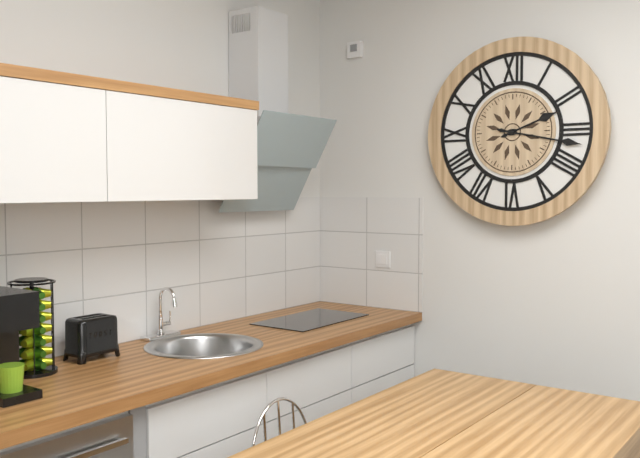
2:17
